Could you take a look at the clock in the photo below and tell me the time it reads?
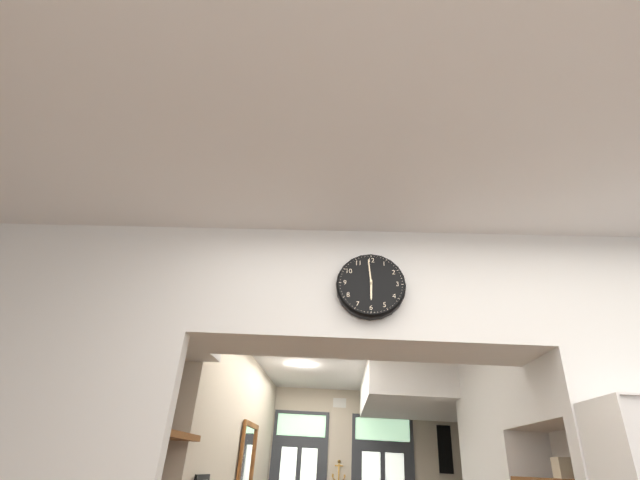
5:59
